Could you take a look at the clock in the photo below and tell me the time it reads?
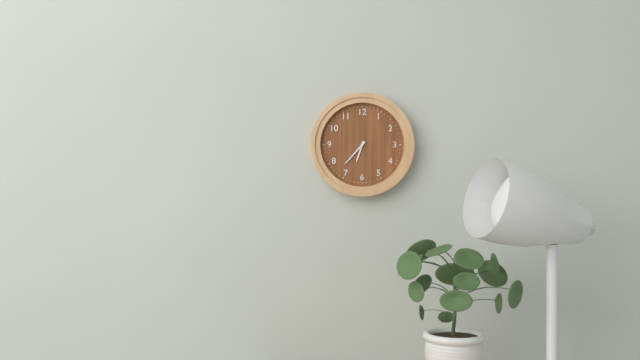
6:37
